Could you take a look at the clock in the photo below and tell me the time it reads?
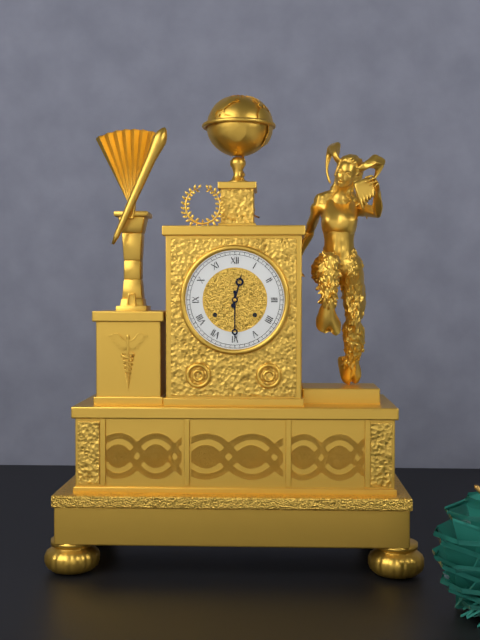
12:30
